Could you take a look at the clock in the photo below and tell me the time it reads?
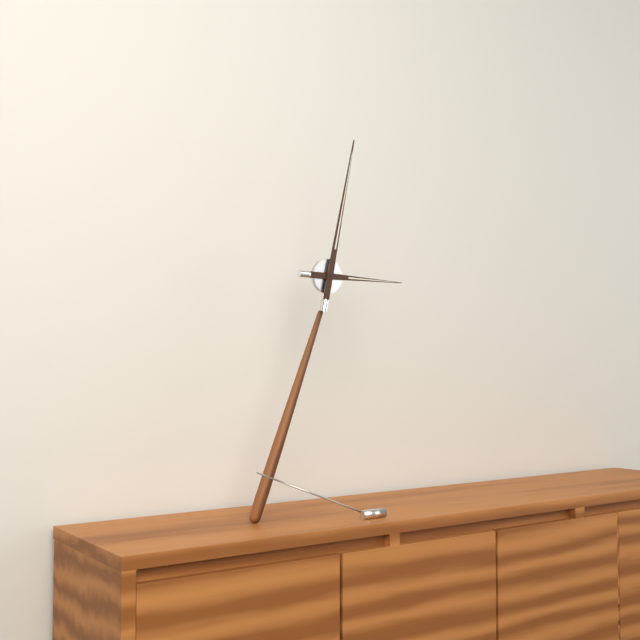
3:02
